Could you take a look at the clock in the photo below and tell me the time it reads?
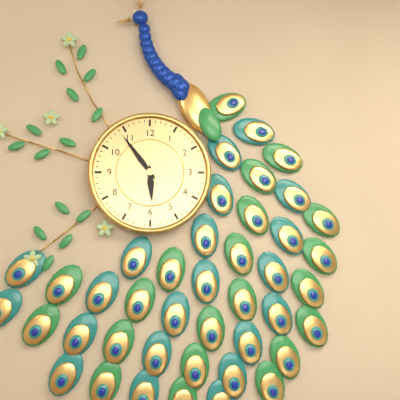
5:54
